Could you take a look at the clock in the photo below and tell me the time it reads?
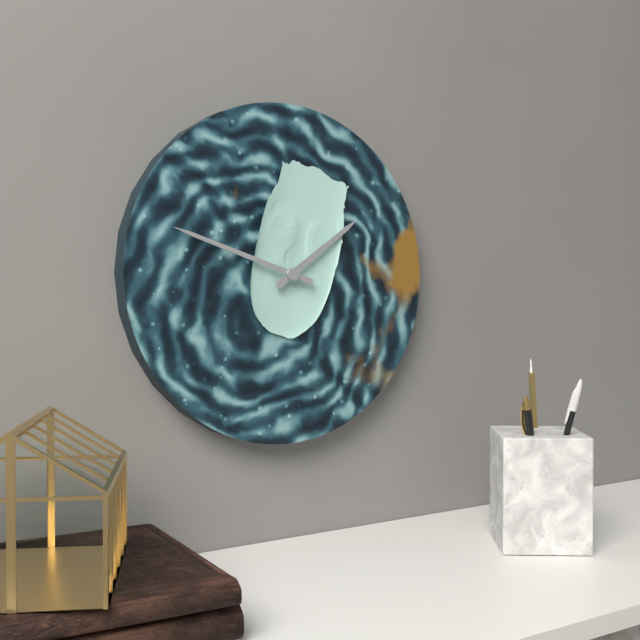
1:48
